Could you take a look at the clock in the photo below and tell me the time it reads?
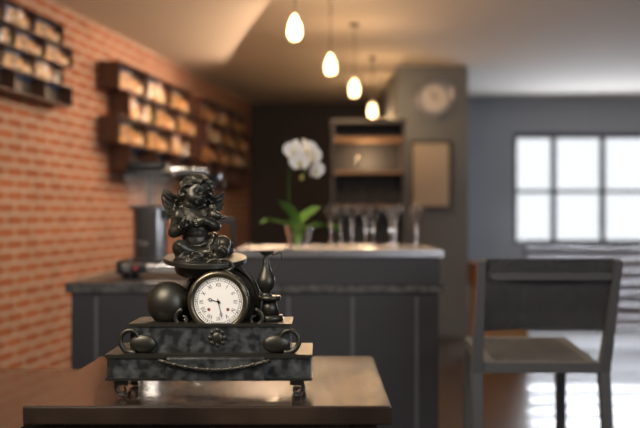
9:28
